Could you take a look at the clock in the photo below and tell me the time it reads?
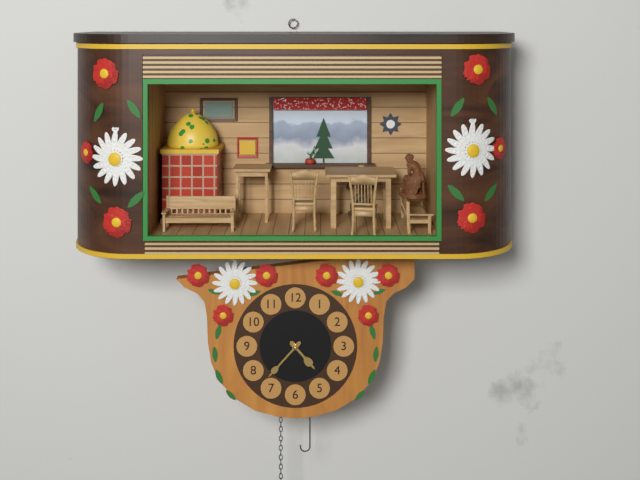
4:37
